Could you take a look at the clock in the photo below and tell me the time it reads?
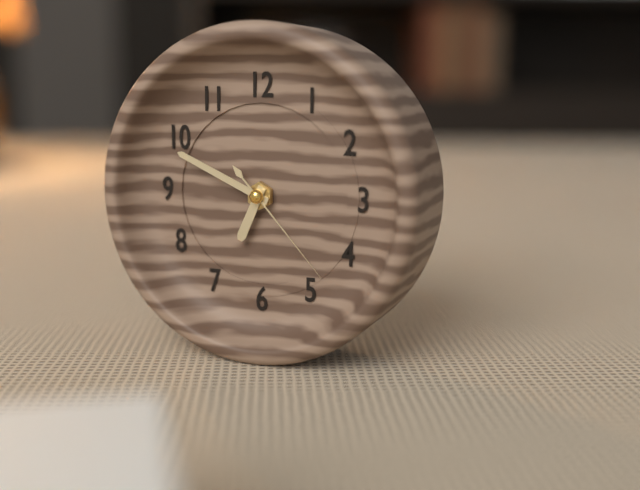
6:49:23
